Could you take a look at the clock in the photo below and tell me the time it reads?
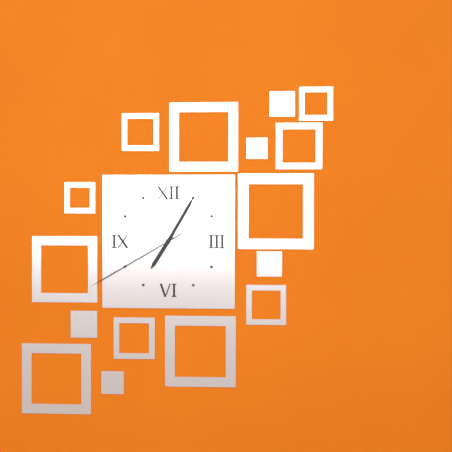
7:05:40
